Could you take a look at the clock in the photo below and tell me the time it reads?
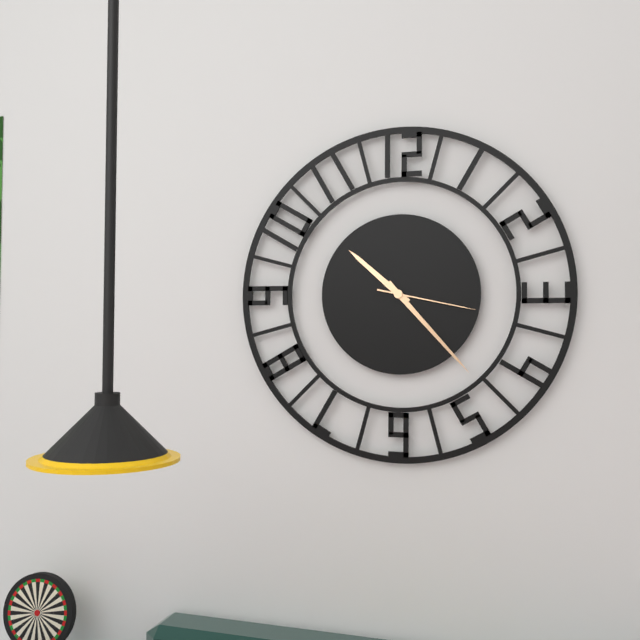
10:23:17
